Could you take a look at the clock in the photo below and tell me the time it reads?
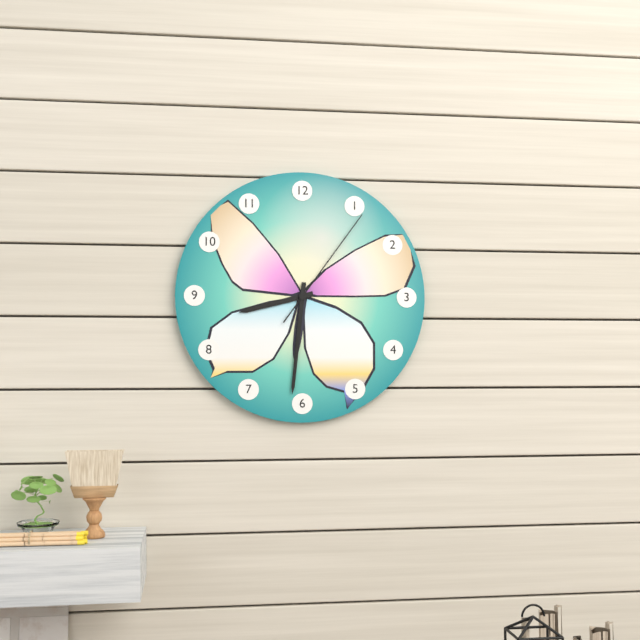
8:31:06
